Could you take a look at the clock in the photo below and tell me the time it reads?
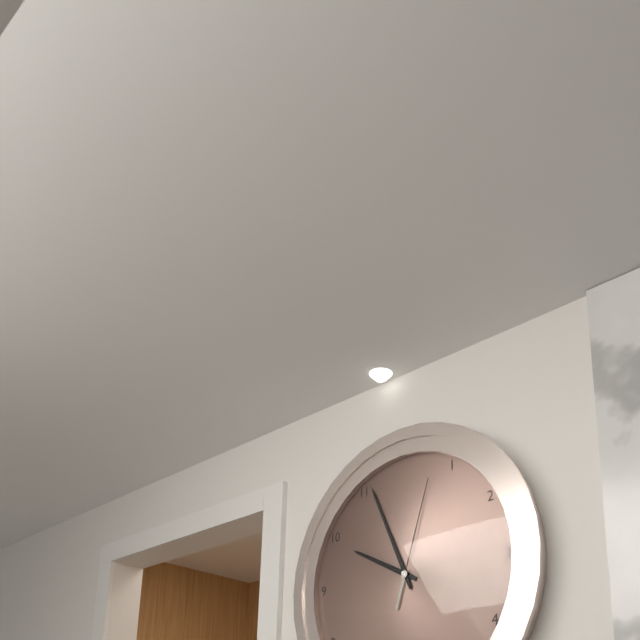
9:56:03
